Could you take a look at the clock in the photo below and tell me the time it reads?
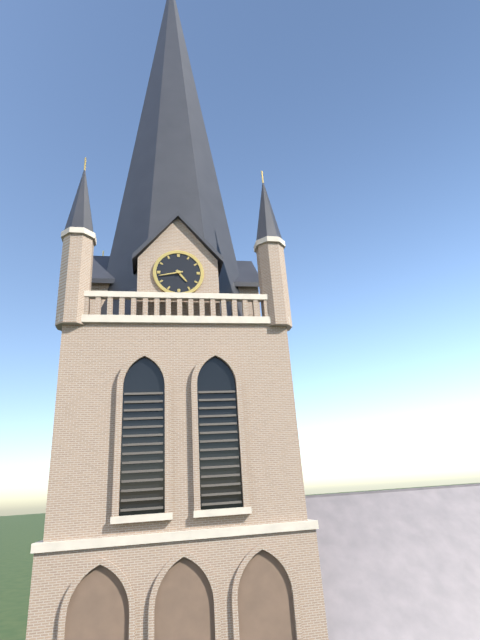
4:43
